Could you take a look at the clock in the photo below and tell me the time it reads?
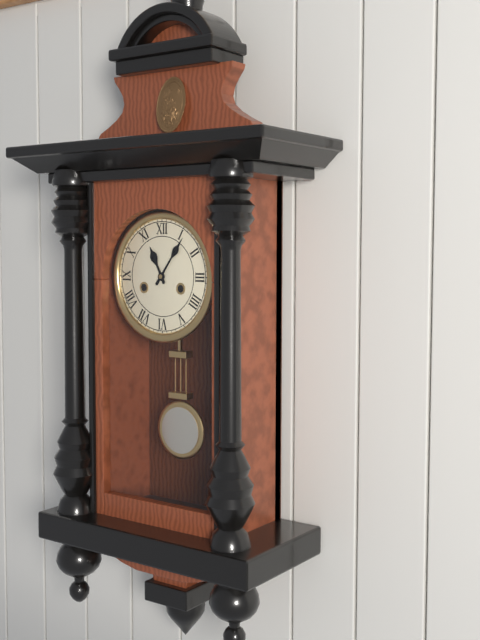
11:06
